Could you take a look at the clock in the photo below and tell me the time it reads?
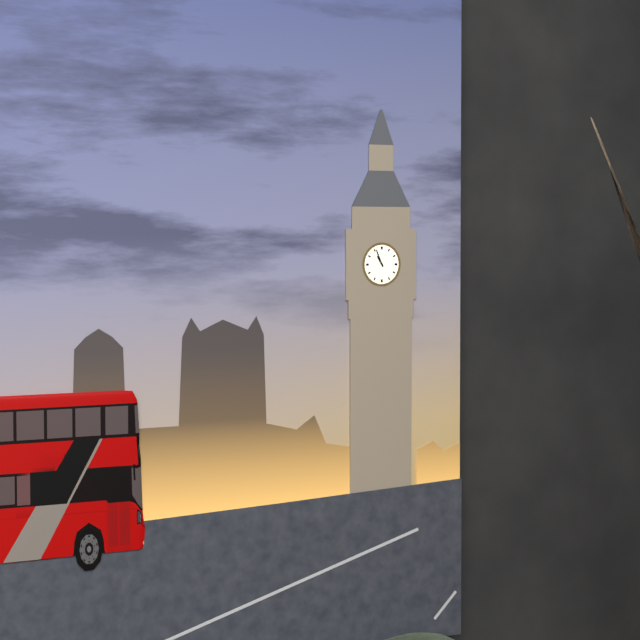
10:56
